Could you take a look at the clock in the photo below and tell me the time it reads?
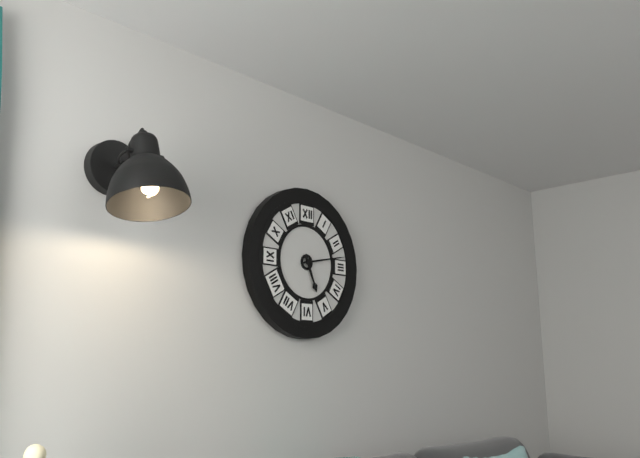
5:13
